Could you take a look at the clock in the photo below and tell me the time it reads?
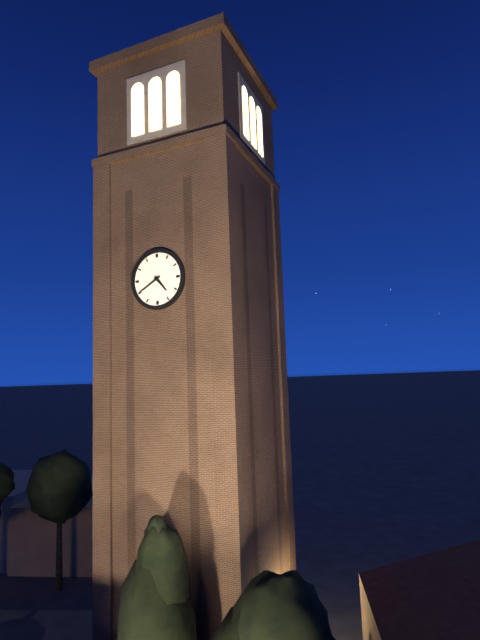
4:40
